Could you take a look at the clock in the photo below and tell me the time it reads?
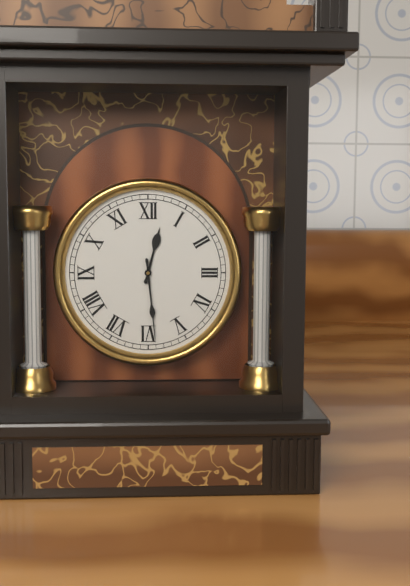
12:29
